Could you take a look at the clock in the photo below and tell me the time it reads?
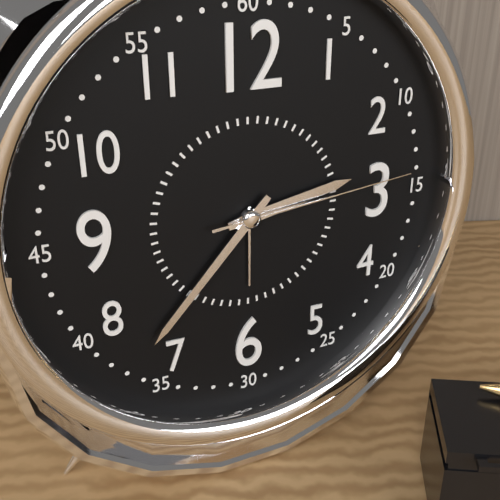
2:37:14
